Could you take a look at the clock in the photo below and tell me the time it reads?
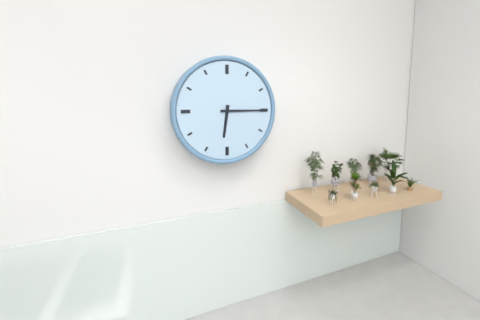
6:15
